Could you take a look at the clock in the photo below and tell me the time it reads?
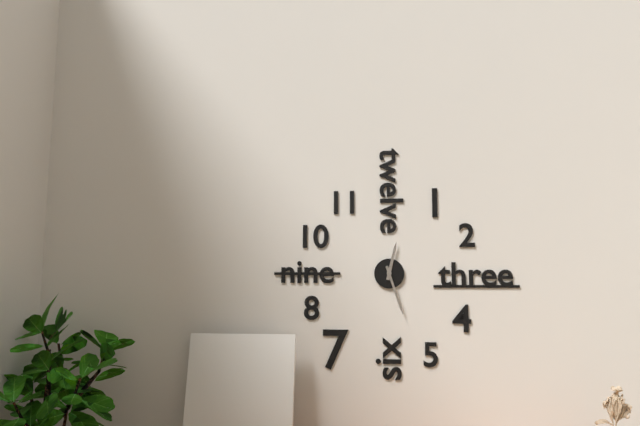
12:27
